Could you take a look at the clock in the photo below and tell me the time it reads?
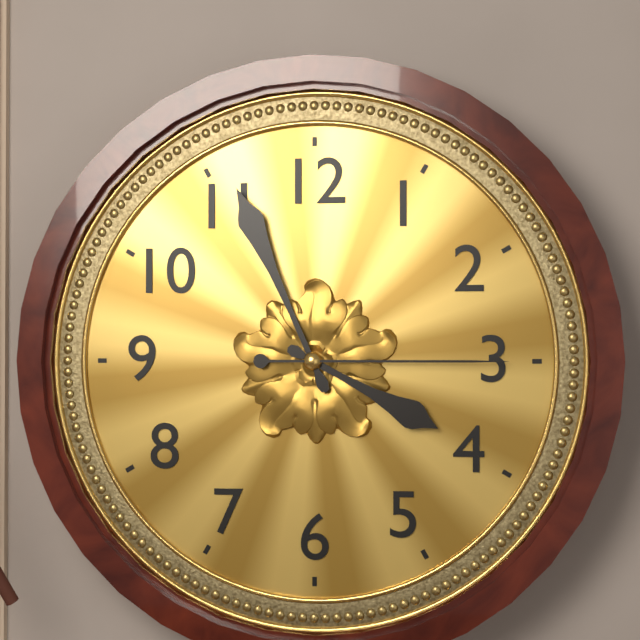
3:56:15
